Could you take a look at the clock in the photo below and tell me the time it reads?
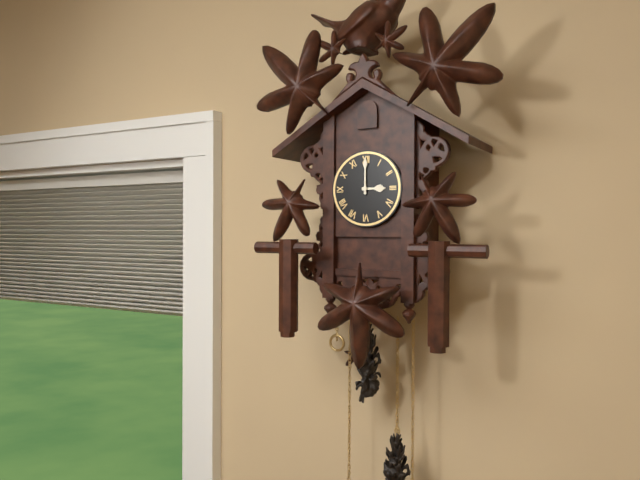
3:00
